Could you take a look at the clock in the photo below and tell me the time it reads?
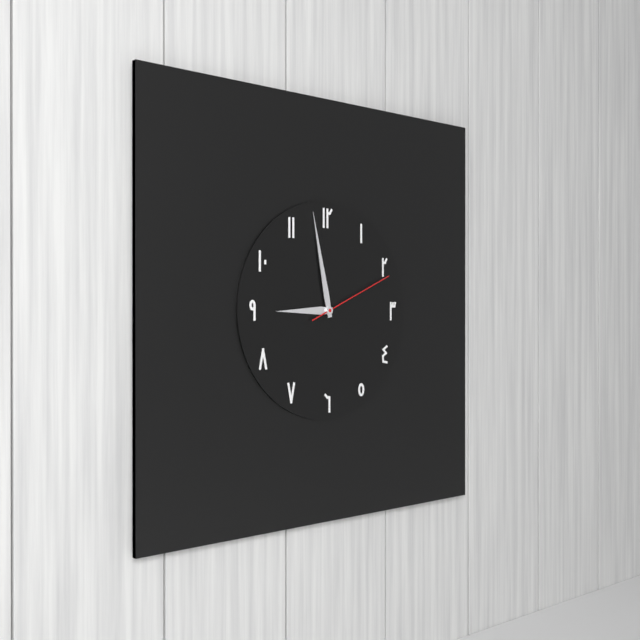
8:58:11
